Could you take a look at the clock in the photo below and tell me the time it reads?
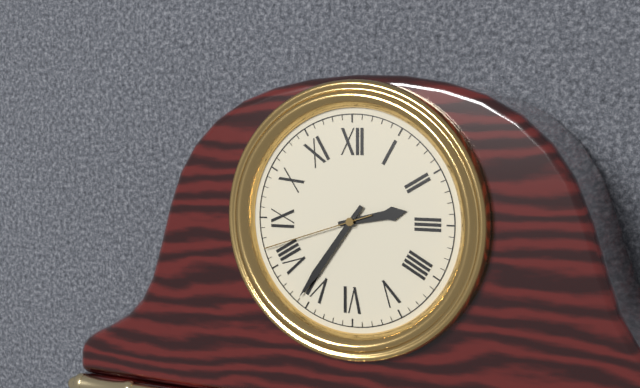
2:36:42
